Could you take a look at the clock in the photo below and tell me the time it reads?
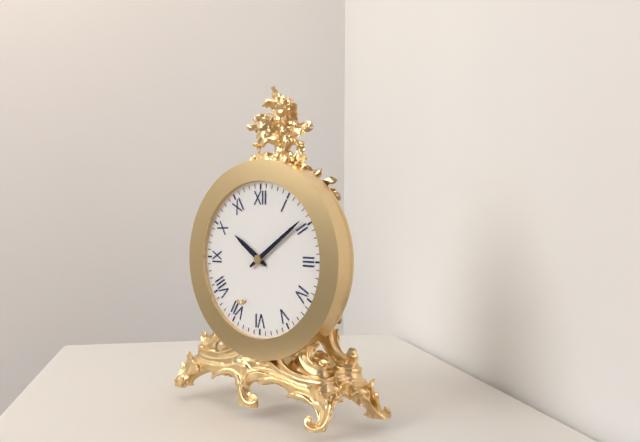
10:09
